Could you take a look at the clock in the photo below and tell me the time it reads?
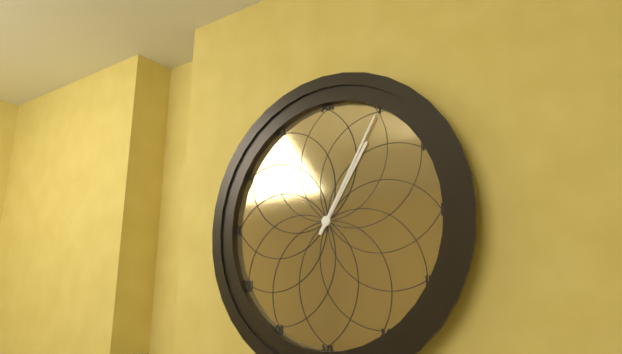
1:05
